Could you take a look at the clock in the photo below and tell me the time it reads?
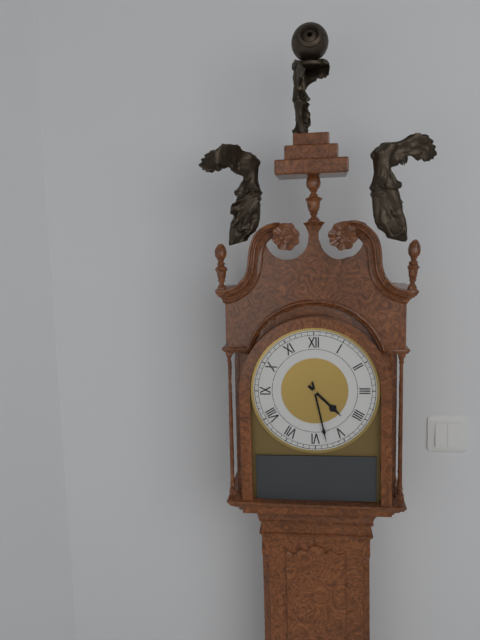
4:28
